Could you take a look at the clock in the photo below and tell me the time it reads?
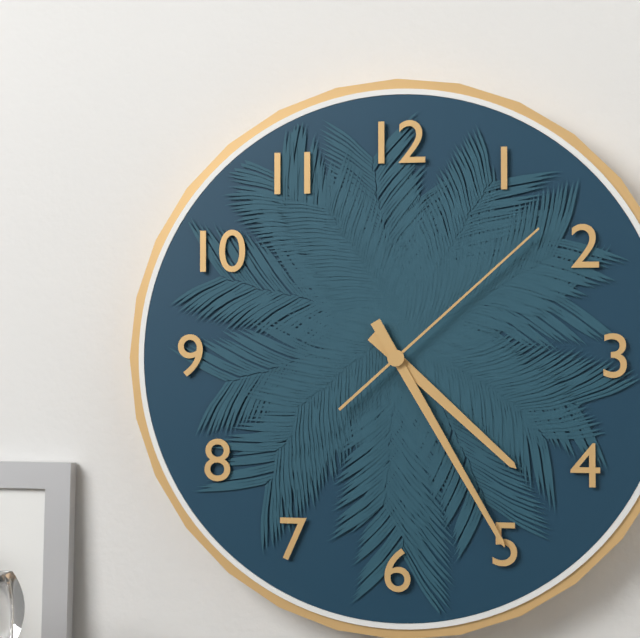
4:25:08
